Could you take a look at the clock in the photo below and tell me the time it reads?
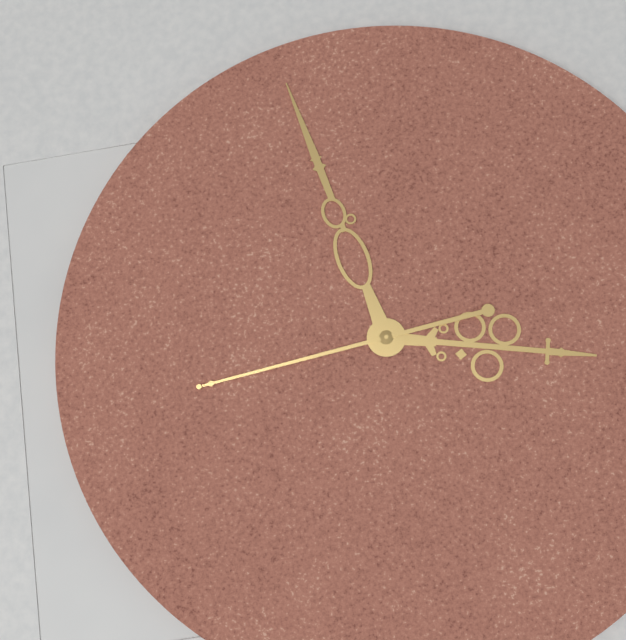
9:28:14
